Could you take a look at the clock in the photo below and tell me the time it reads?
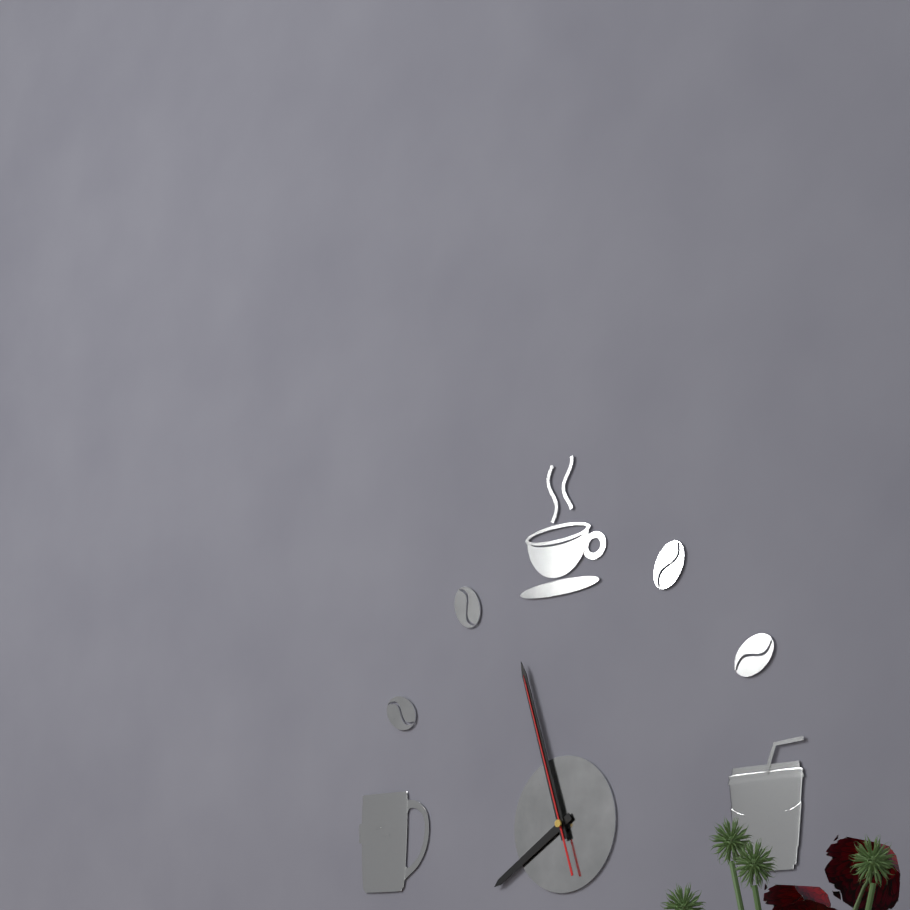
7:57:57
